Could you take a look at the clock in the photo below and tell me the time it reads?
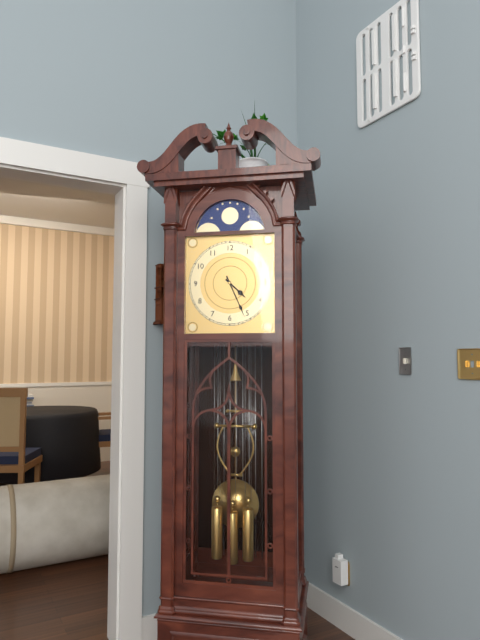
4:26
